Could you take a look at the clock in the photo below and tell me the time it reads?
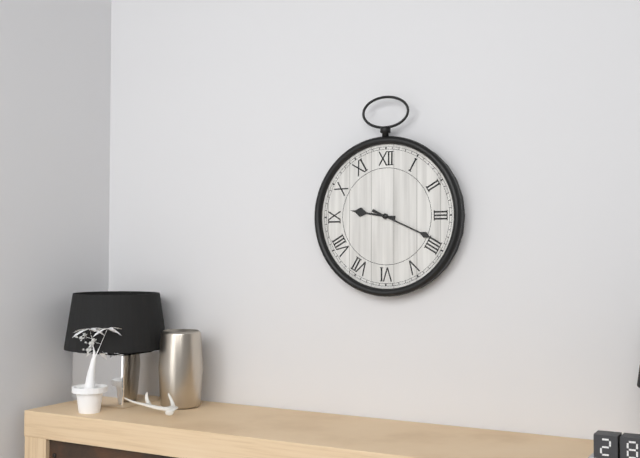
9:19
